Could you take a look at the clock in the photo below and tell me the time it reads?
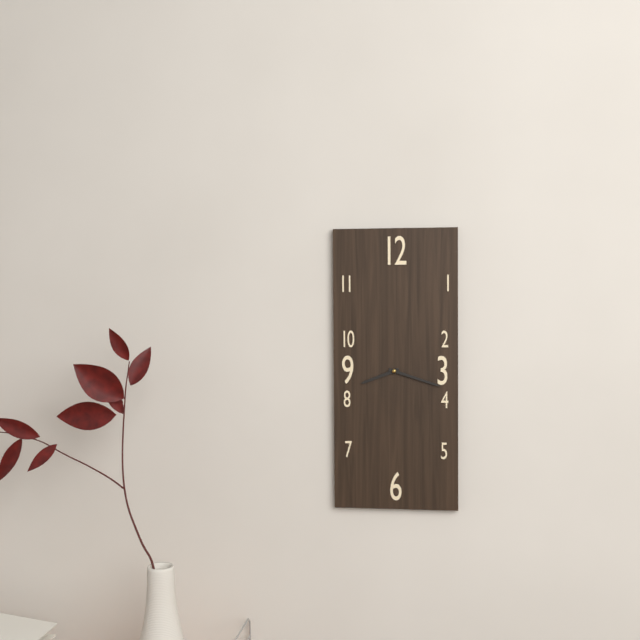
8:18
